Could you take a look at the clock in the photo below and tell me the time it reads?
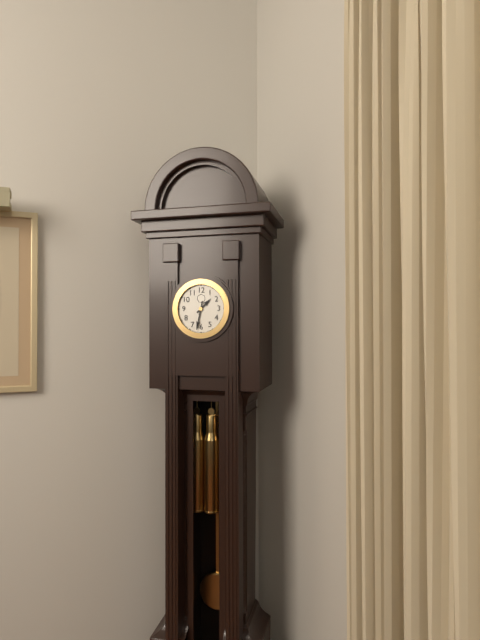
1:32
